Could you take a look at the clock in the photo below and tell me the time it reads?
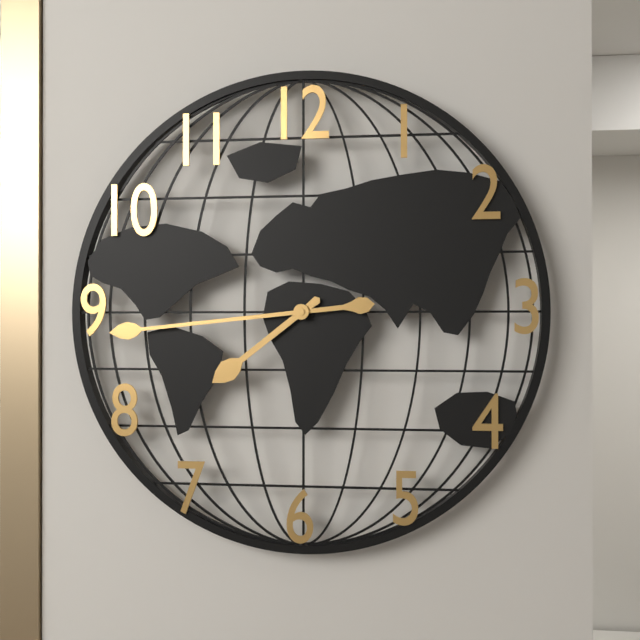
7:44
